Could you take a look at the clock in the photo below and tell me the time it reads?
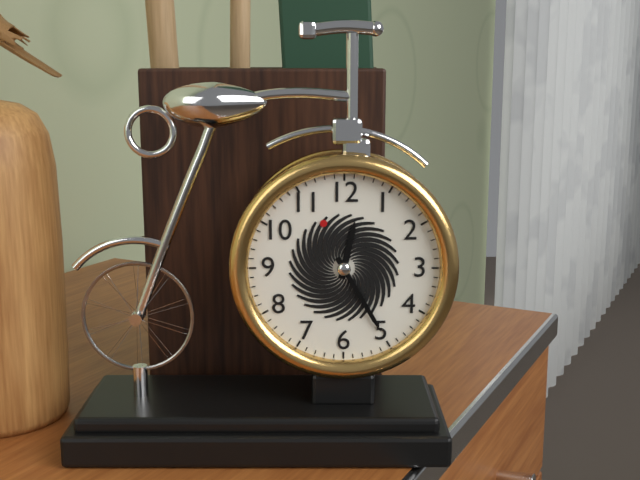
12:25
